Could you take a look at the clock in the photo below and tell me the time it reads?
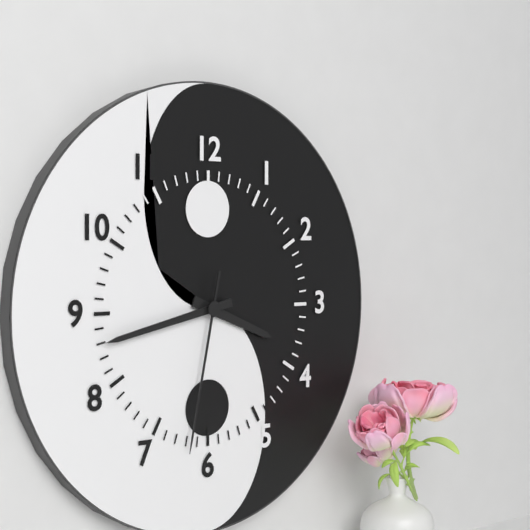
3:43:32
